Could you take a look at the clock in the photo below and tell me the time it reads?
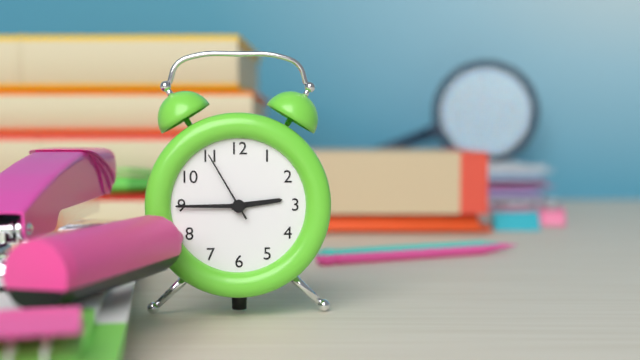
2:45:55
